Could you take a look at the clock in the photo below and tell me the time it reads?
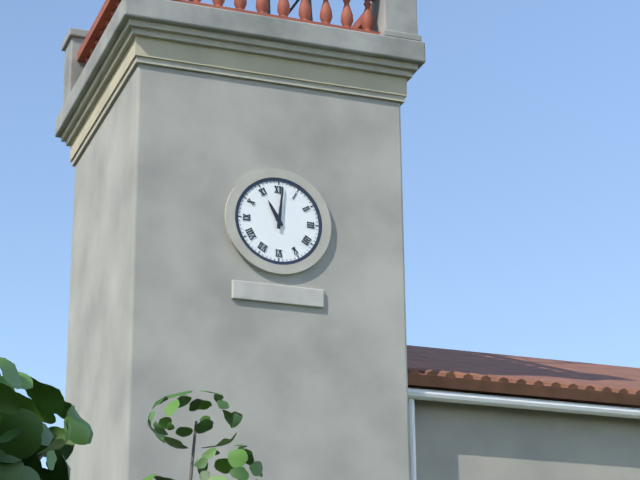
11:01
